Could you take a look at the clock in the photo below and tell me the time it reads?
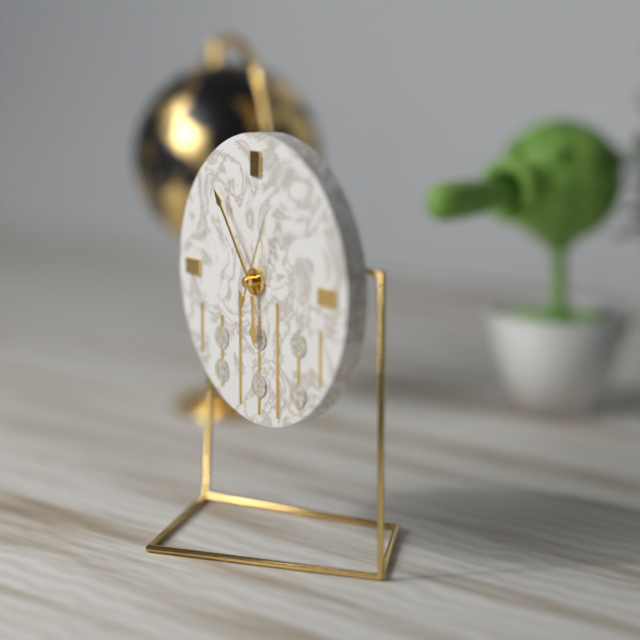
5:54:04
